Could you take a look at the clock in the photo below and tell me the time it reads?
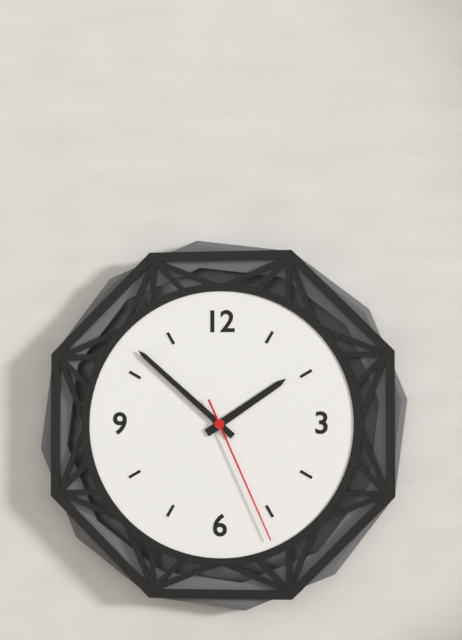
1:52:26
